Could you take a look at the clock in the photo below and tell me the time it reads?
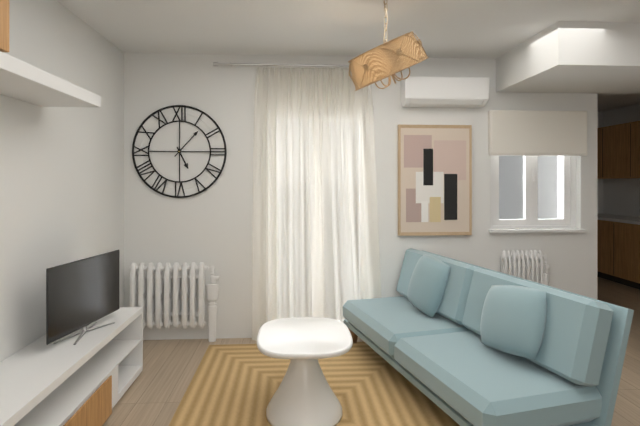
5:07
